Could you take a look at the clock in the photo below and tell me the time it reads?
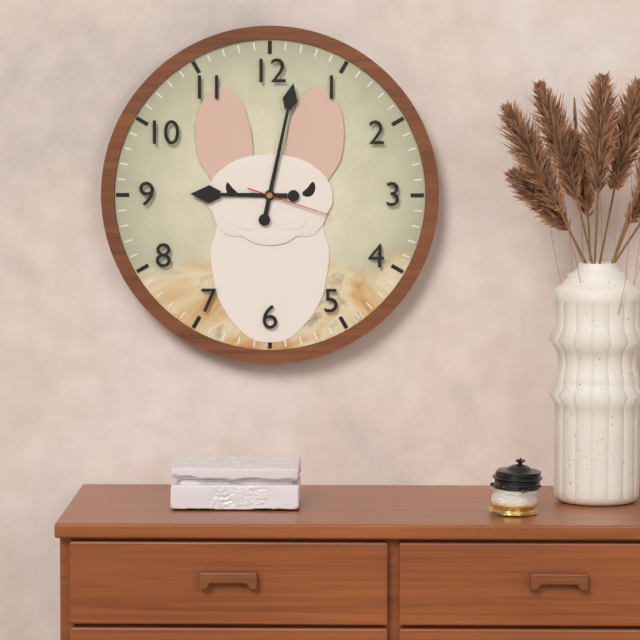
9:02:18
